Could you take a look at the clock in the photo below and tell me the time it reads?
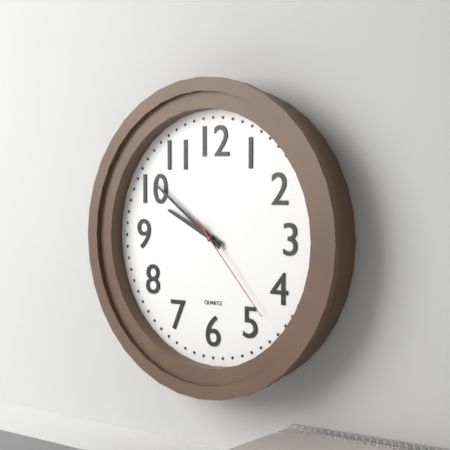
9:51:23
